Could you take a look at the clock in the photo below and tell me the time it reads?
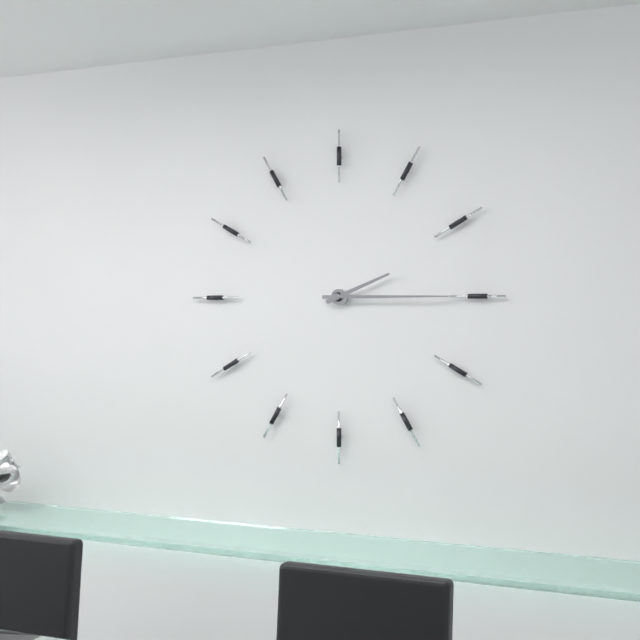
2:15
